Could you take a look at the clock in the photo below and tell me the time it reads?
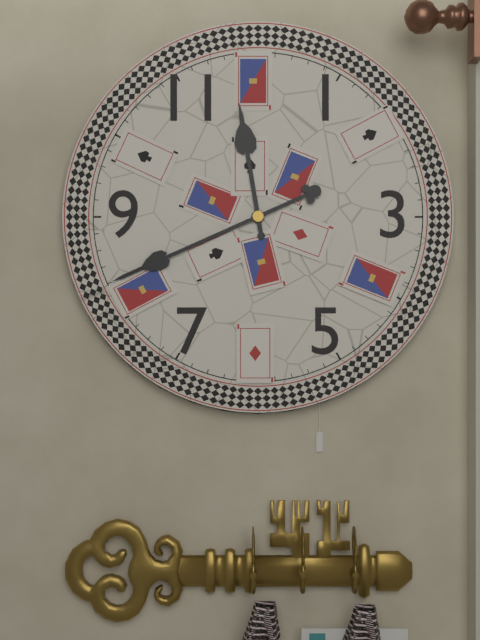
11:41
